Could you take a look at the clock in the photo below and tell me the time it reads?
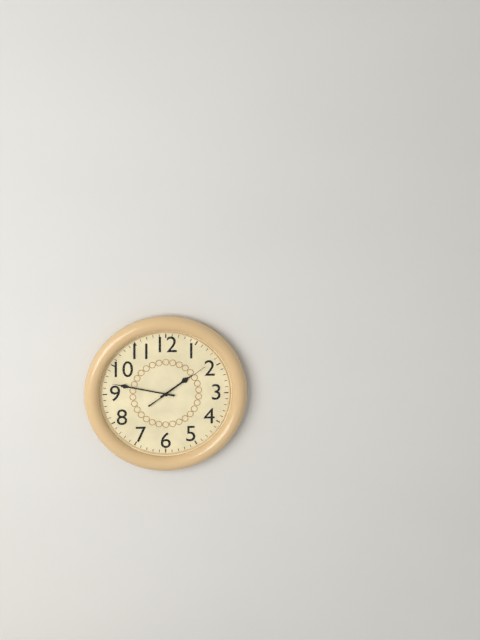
1:47:09
